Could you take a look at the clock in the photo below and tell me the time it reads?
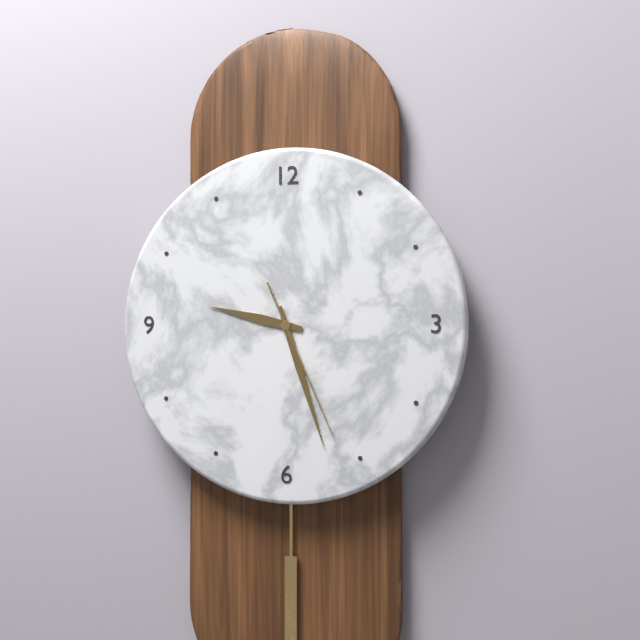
9:27:26
